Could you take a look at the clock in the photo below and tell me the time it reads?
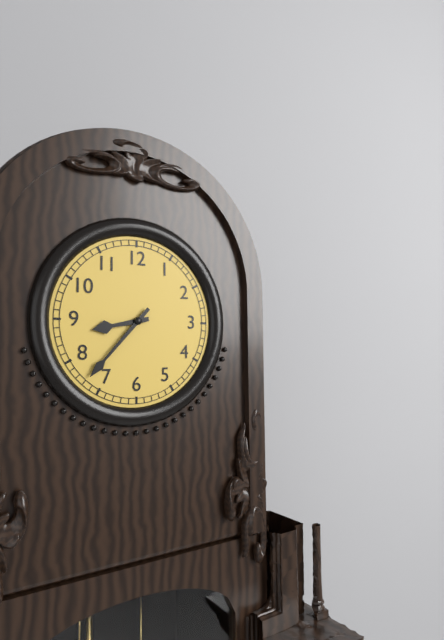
8:37
